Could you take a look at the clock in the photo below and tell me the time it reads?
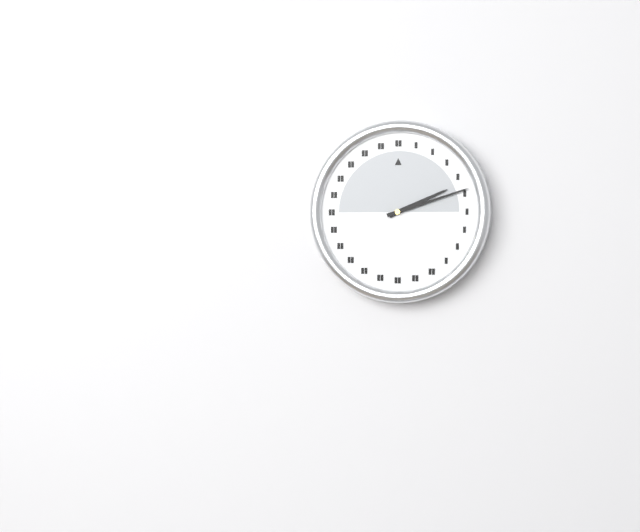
2:12
